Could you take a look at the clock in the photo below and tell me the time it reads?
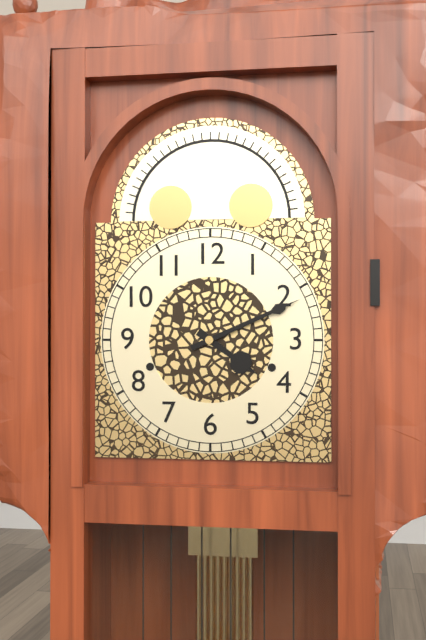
4:11
